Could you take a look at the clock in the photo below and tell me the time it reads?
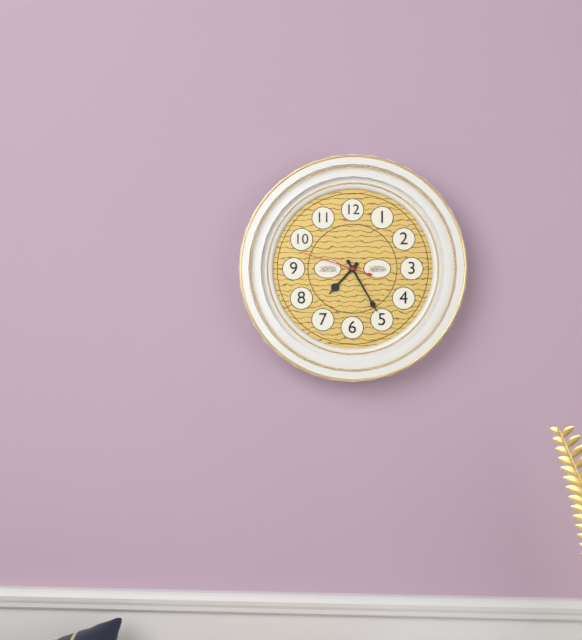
7:25:48
